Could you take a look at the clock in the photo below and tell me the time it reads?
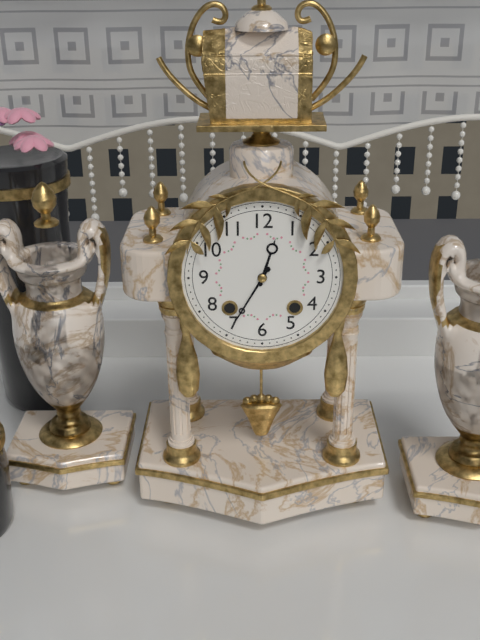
12:35
